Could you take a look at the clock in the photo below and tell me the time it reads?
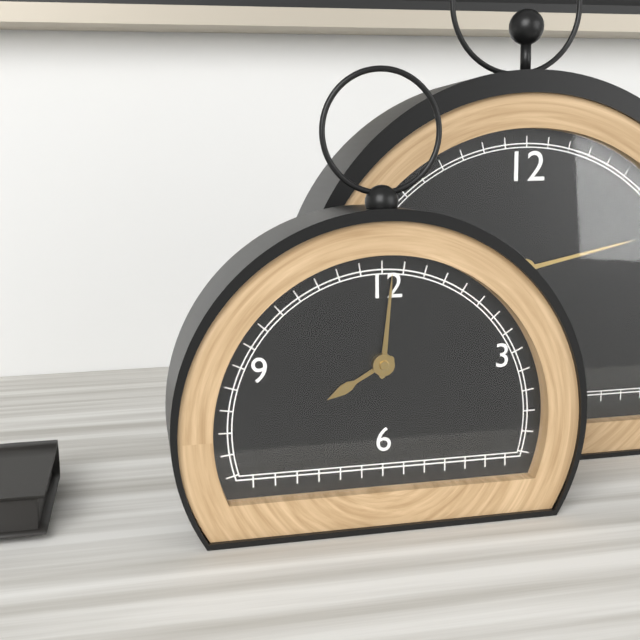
8:01
